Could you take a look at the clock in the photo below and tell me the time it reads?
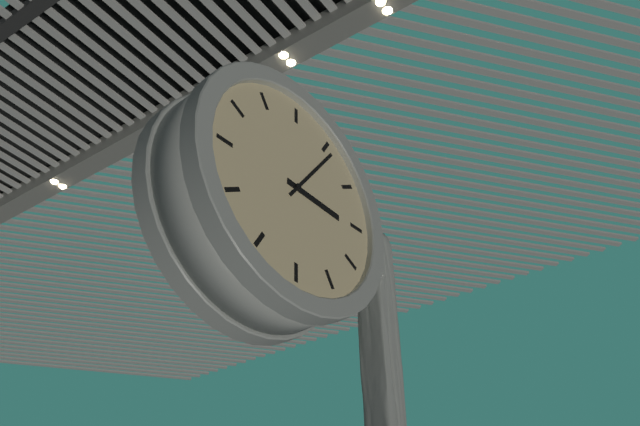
3:06
